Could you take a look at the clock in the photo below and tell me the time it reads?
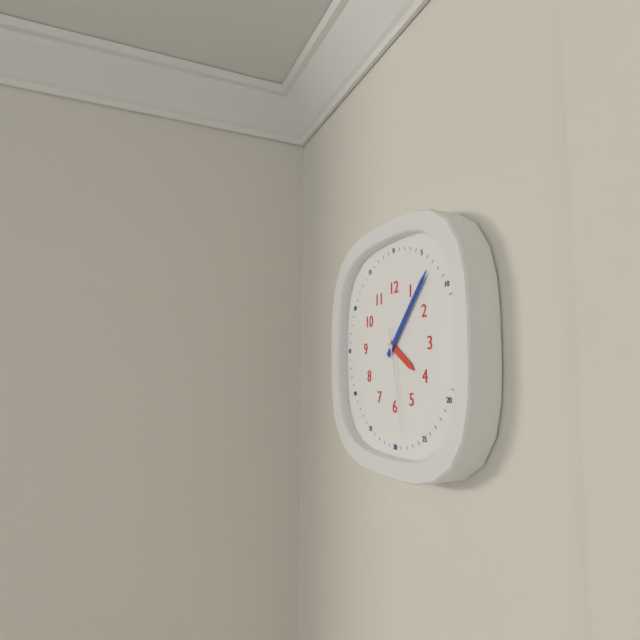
4:07:28
